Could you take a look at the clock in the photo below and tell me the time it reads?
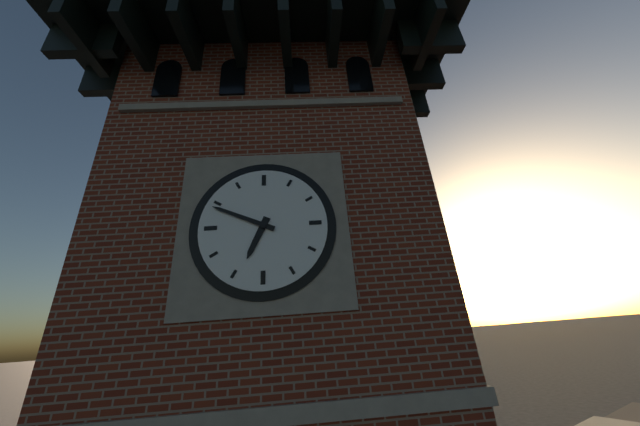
6:49
